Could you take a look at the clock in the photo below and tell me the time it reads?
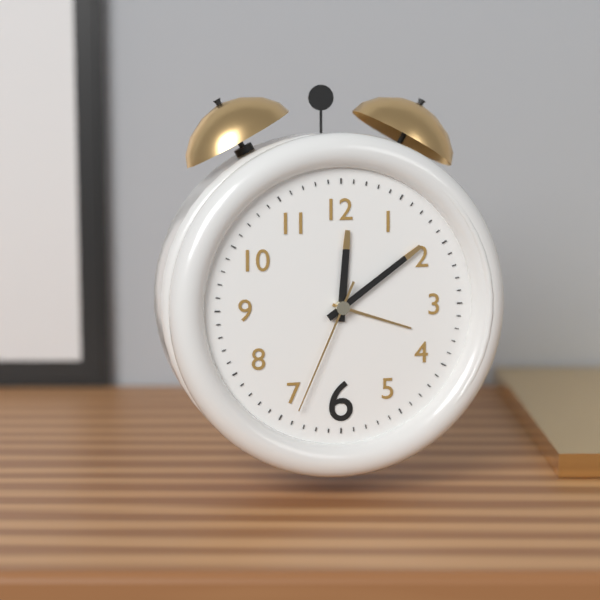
12:09:34
